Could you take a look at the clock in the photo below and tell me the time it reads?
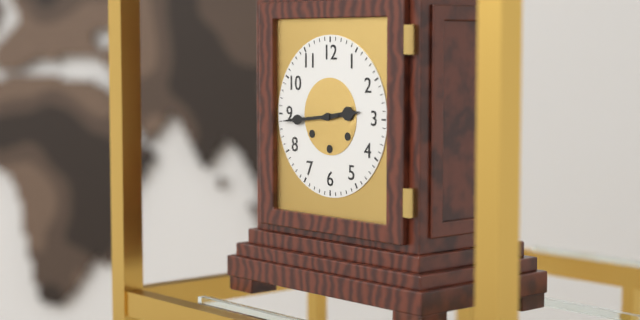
2:44
